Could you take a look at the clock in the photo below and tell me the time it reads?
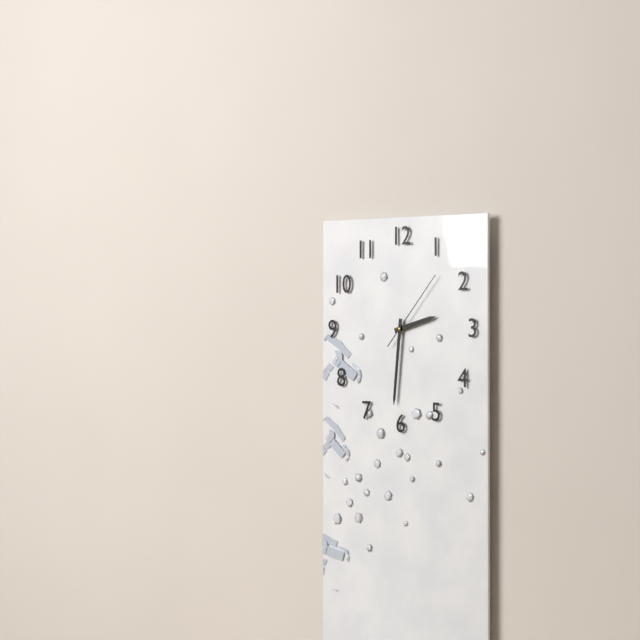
2:31:07
